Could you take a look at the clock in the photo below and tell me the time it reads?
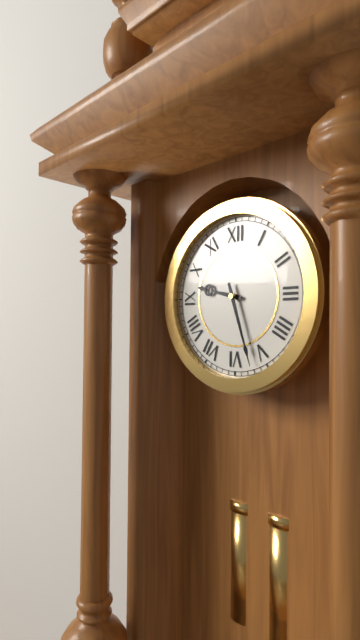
9:27
